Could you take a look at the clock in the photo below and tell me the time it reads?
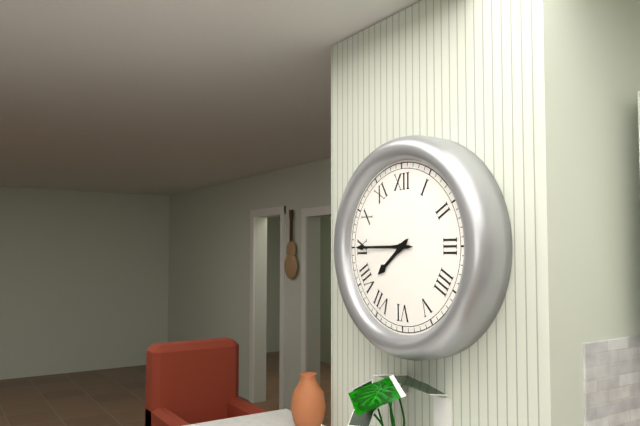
7:45
